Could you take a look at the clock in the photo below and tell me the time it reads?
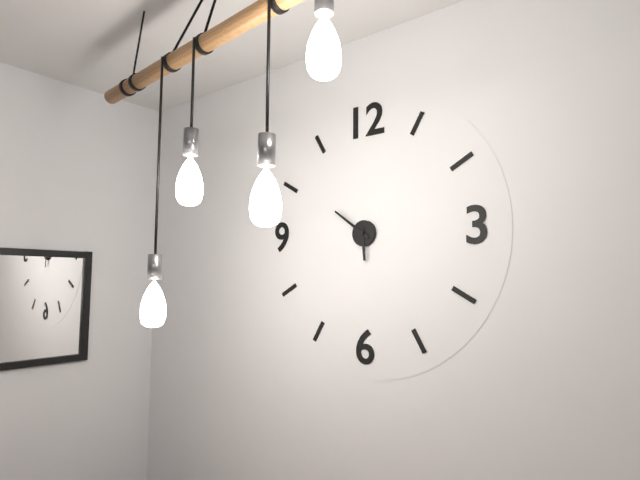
5:51
